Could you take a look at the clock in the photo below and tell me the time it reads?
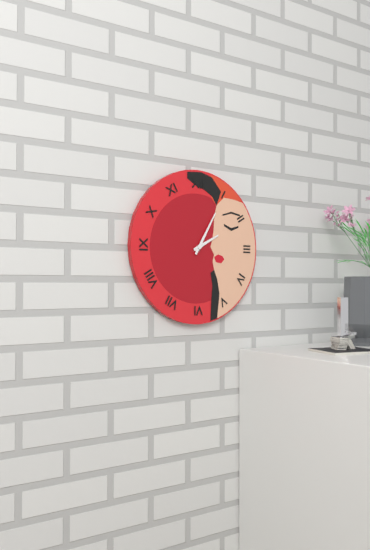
2:05
